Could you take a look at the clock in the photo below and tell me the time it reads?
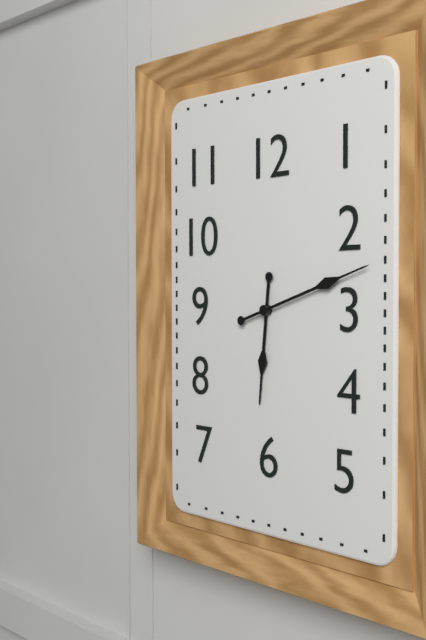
6:12
